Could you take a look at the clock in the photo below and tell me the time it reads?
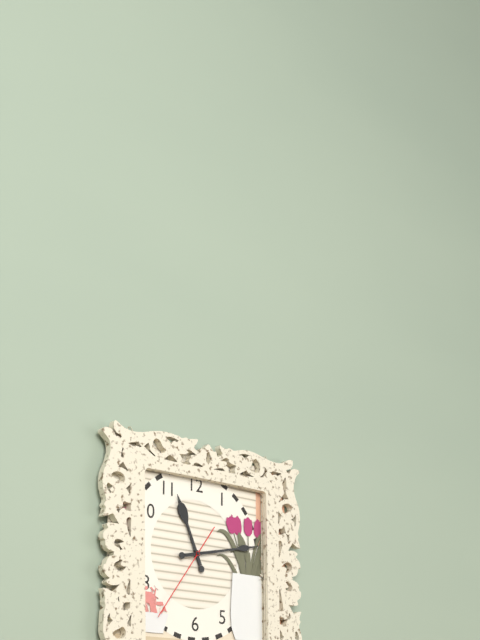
11:13:36
